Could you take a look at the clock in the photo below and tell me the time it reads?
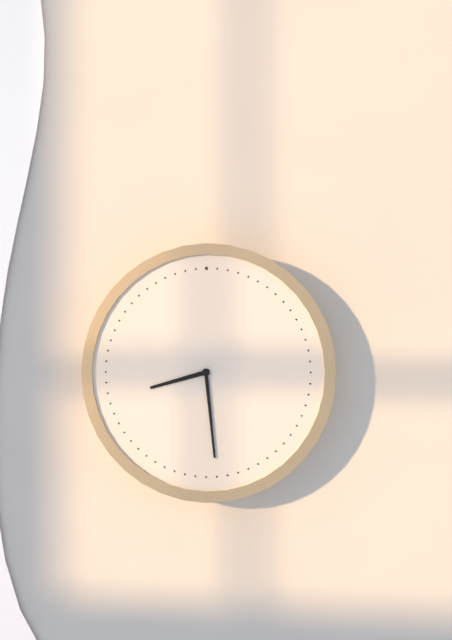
8:29
